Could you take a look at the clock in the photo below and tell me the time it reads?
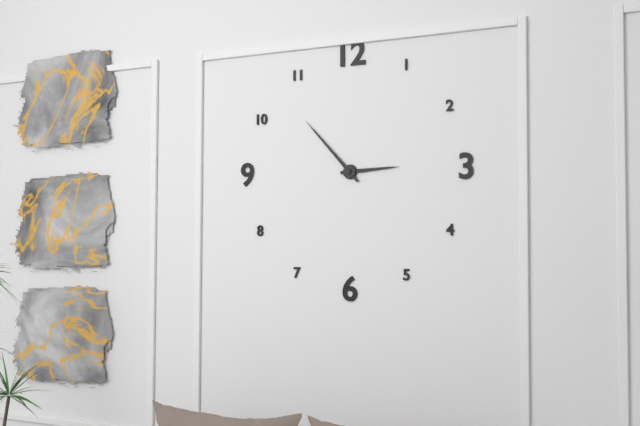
2:53
